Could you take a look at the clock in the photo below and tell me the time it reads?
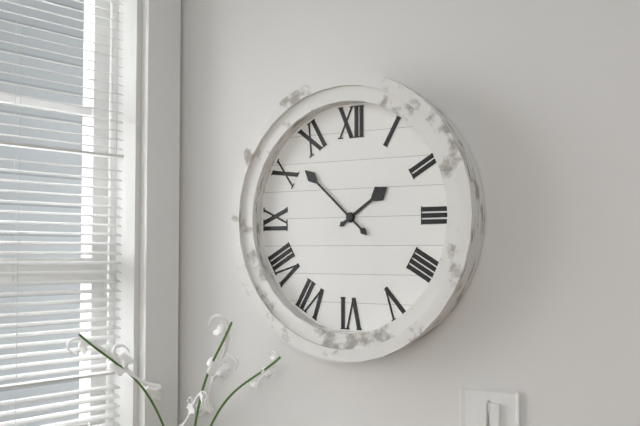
1:52
